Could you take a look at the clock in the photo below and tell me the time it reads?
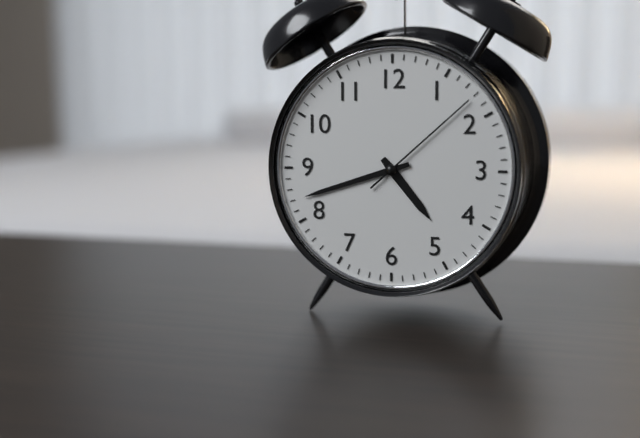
4:42:08
